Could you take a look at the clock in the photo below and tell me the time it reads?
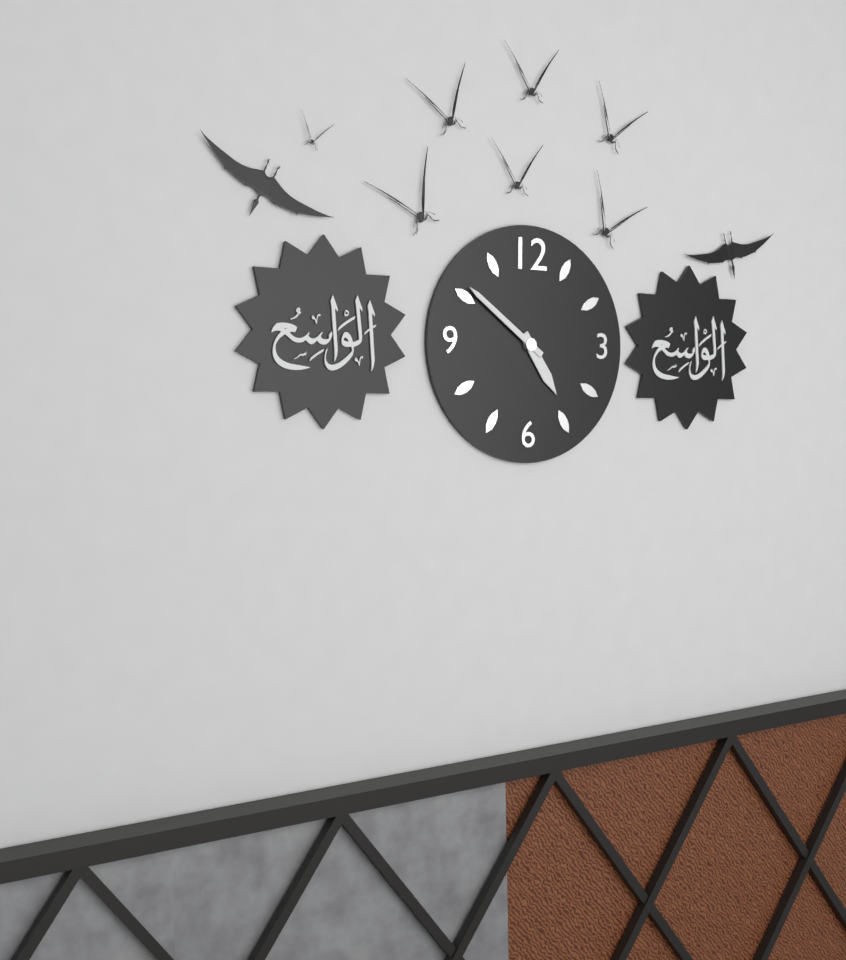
4:51
